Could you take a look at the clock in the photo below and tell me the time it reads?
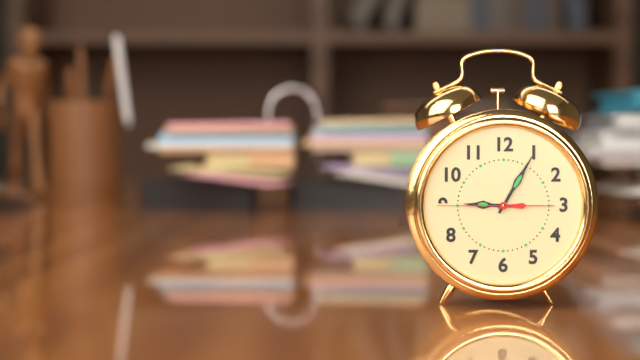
9:05:45
